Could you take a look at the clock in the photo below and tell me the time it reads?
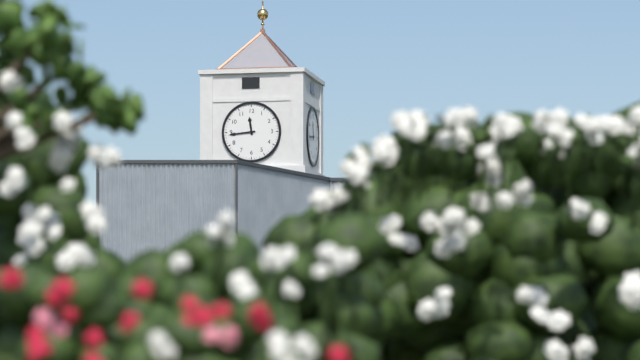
11:44
